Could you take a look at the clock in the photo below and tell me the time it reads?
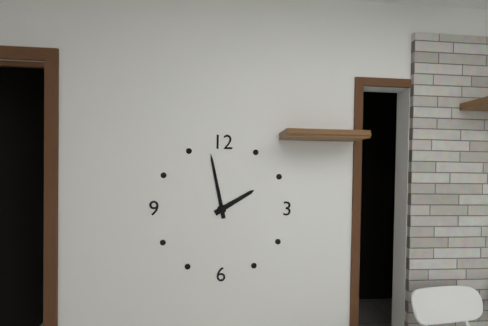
1:58
